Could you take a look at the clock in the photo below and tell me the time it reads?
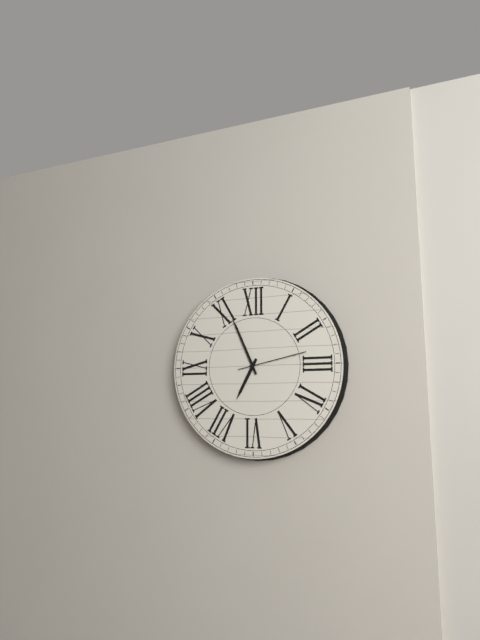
6:56:13
